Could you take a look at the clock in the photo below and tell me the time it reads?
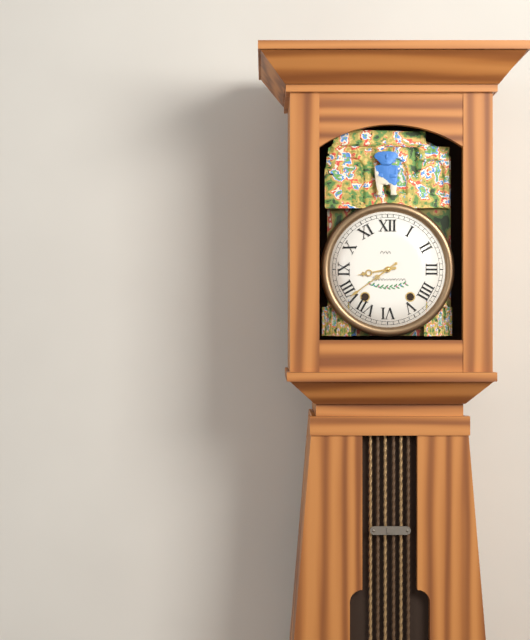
8:39
